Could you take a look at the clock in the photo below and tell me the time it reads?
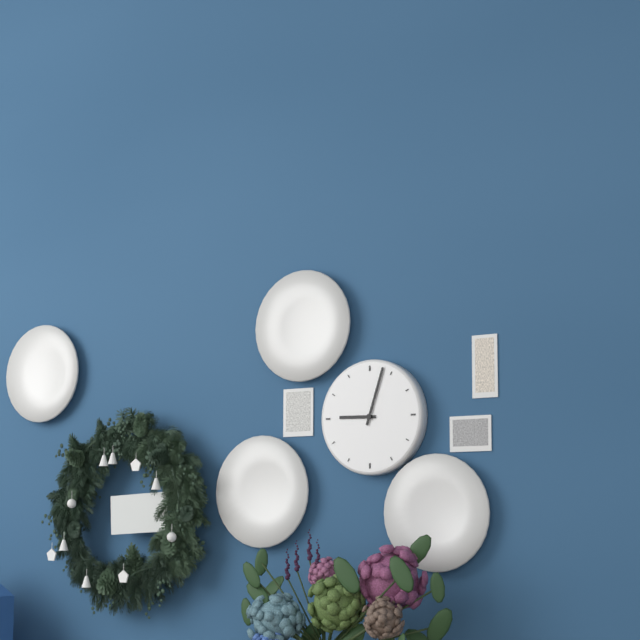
9:03
